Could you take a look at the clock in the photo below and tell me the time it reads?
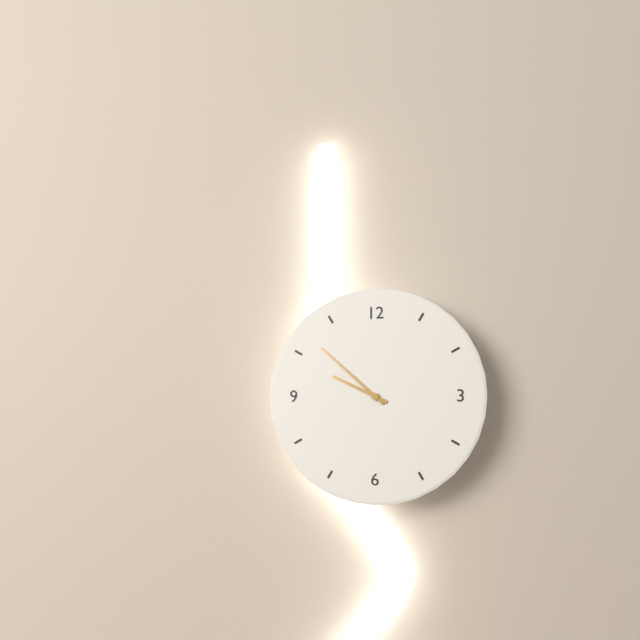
9:52
